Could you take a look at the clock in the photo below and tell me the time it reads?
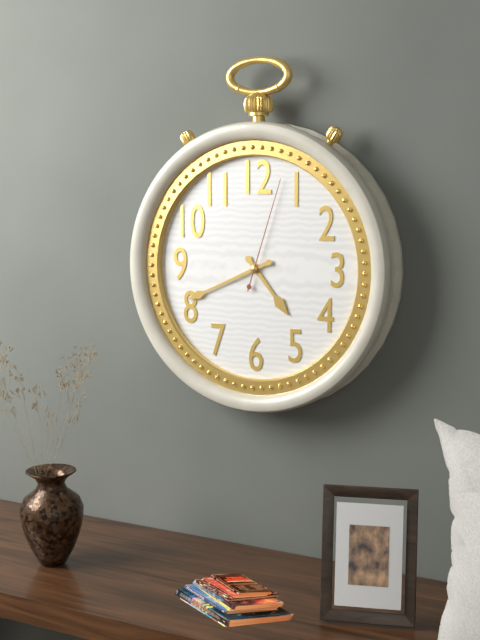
4:41:03
